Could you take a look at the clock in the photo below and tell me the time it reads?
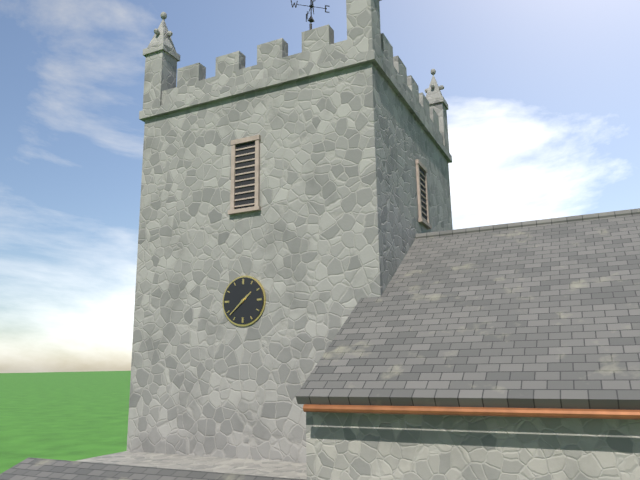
1:38
